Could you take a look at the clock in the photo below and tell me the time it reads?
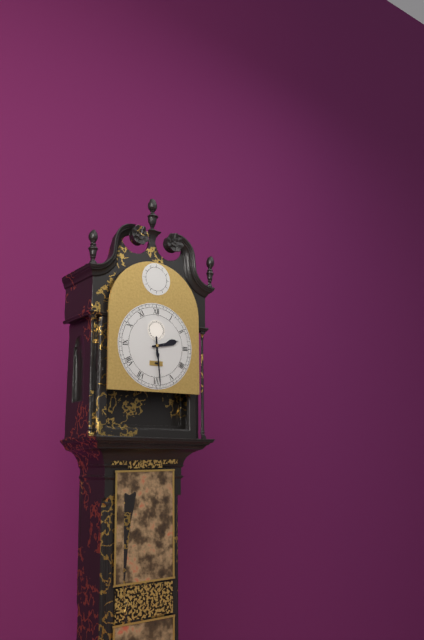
2:29
